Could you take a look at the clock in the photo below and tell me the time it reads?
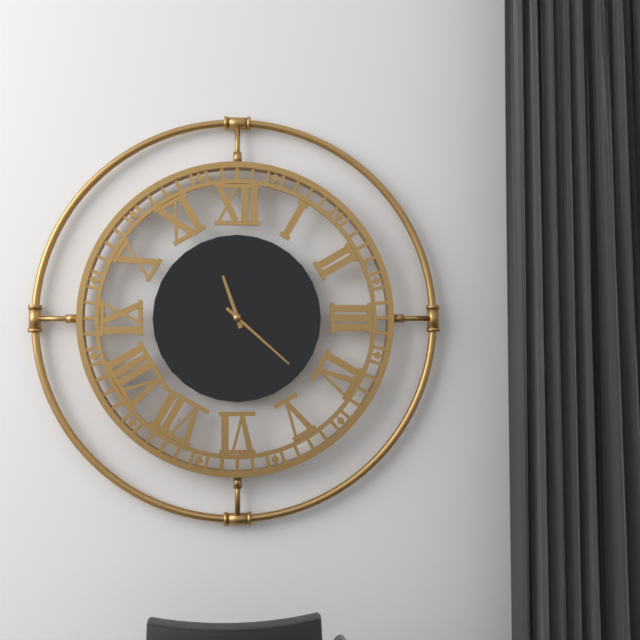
11:22
